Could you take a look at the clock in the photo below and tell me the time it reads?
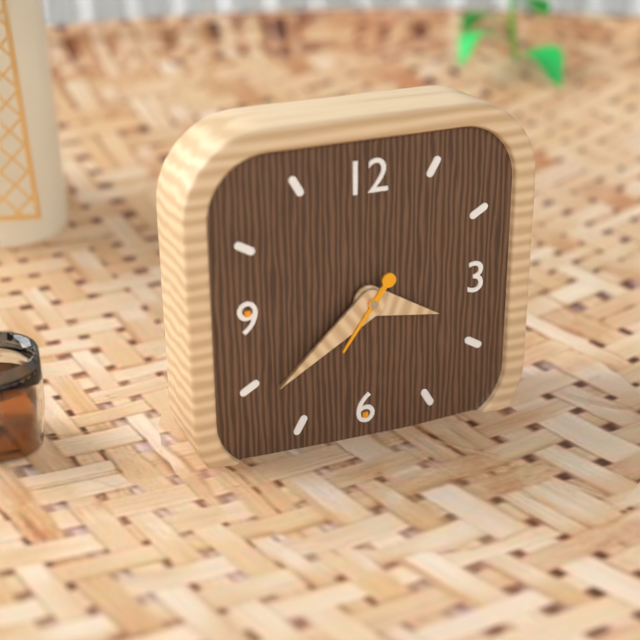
3:39:36
